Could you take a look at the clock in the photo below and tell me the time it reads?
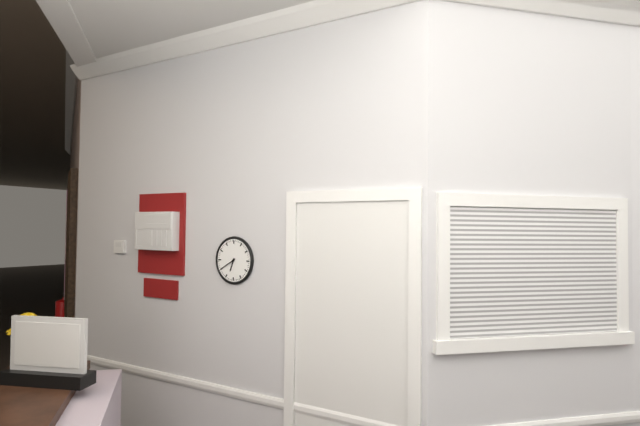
6:40
